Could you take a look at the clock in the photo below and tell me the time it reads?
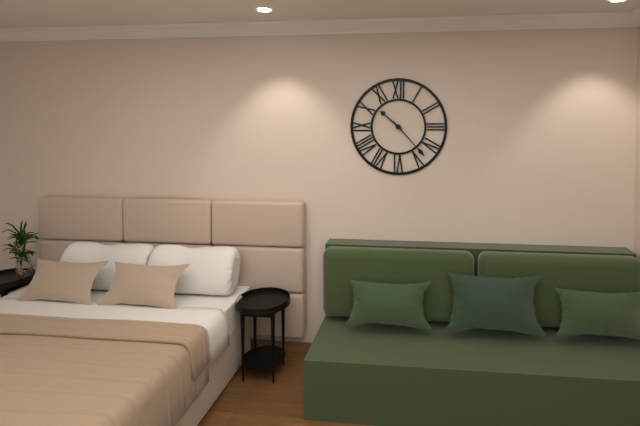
10:23
